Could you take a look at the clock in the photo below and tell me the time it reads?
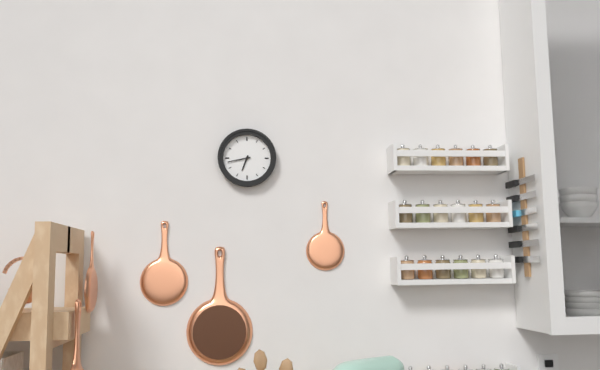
6:43
